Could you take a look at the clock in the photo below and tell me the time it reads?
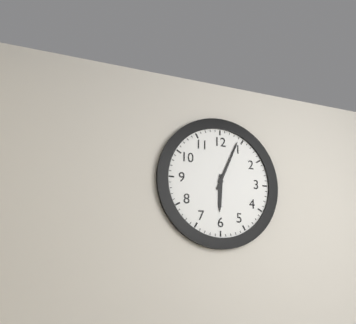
6:04
